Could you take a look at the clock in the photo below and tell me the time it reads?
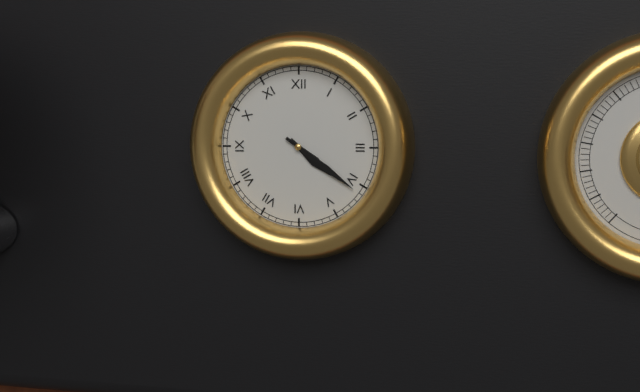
4:21
